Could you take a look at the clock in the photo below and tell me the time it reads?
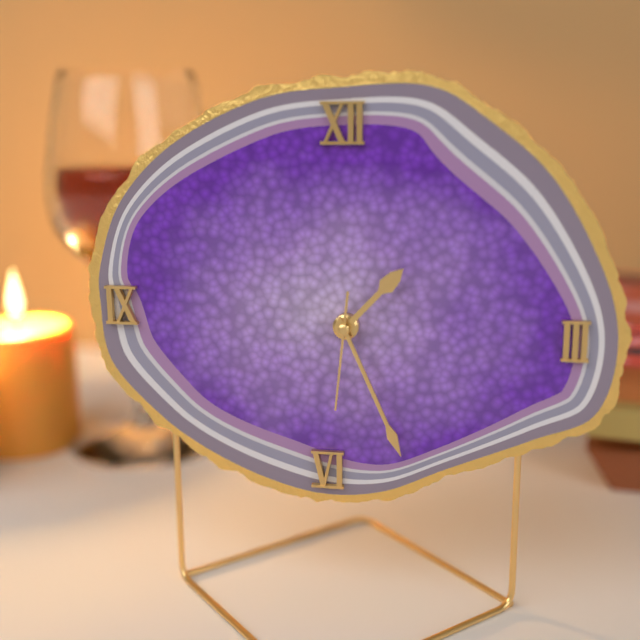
1:26:31
